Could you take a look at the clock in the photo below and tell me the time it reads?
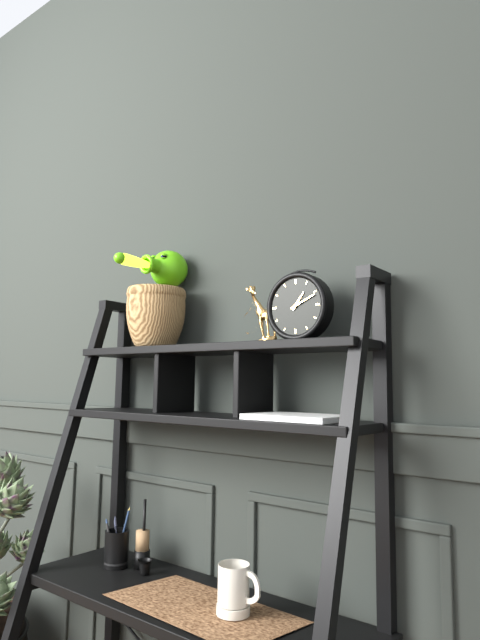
1:11
